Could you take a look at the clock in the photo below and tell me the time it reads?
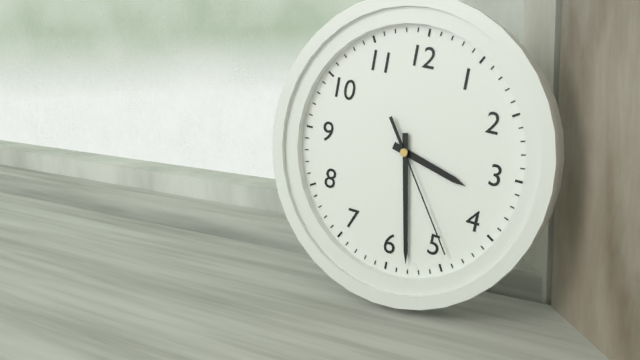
3:28:24
